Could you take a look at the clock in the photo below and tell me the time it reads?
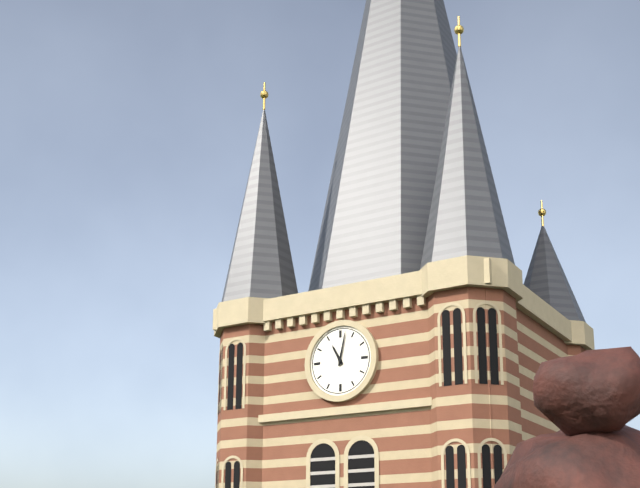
11:02
